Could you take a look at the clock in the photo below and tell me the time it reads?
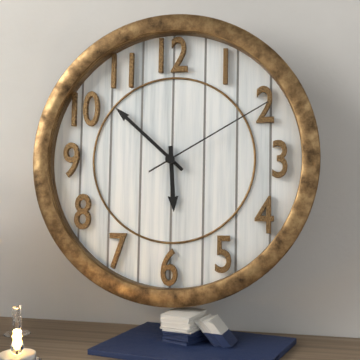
5:52:10
